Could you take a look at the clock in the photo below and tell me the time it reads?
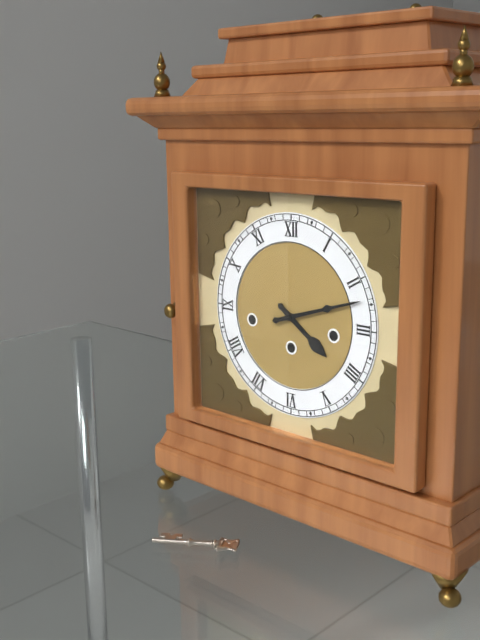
4:12
